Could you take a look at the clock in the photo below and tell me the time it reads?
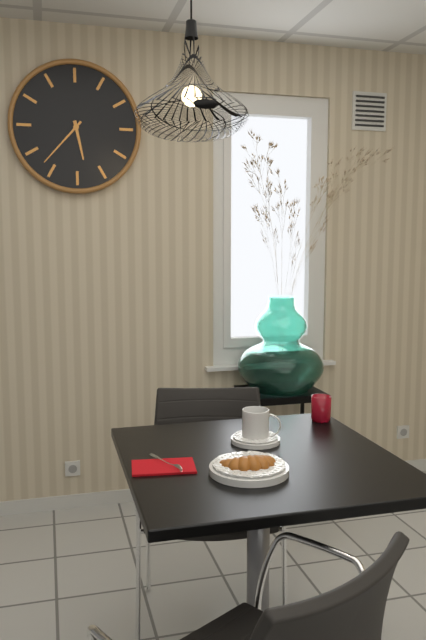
5:37
